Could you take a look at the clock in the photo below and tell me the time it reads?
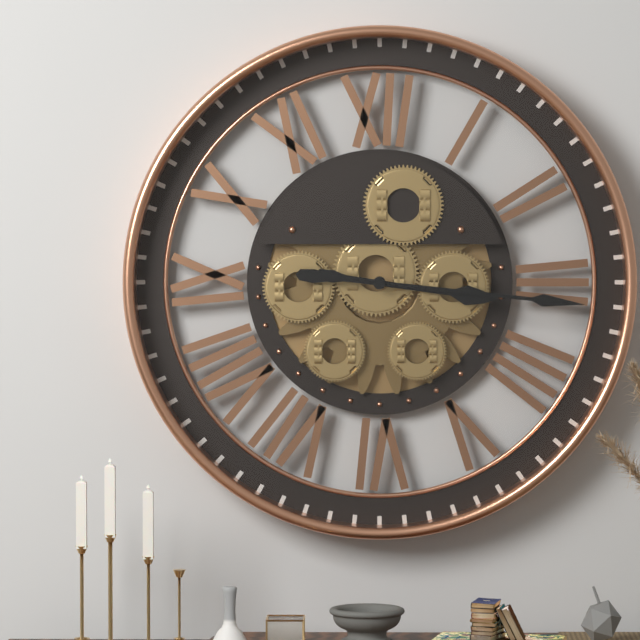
3:16
